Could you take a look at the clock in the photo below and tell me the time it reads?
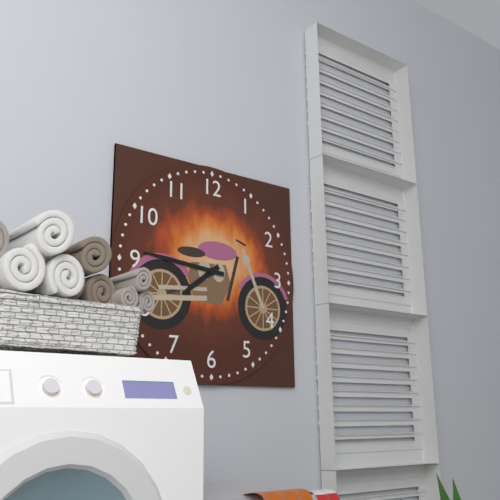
7:46
